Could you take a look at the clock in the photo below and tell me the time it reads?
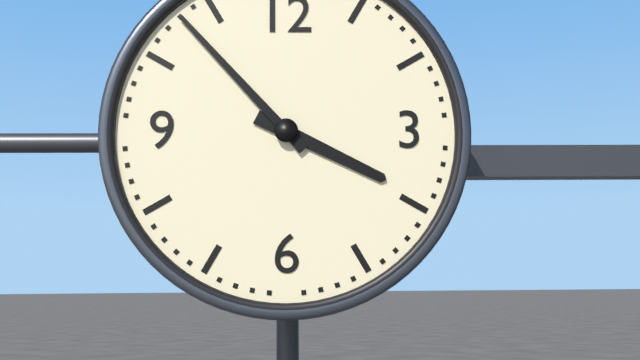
3:53
